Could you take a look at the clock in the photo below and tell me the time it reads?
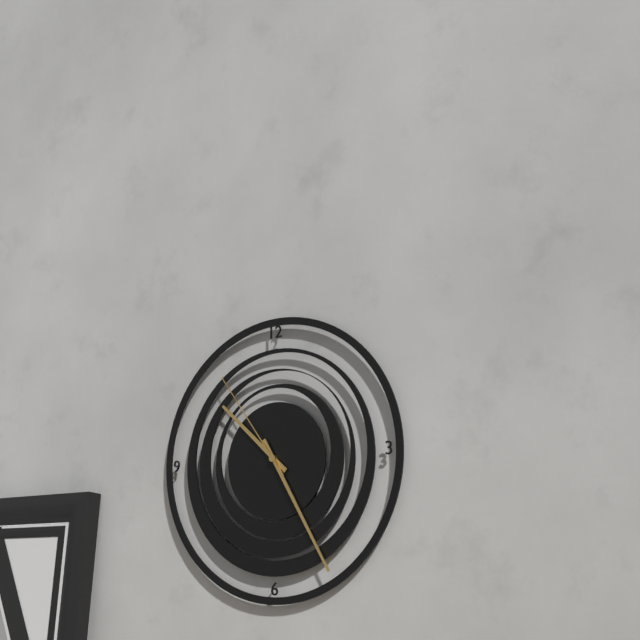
10:25:54
